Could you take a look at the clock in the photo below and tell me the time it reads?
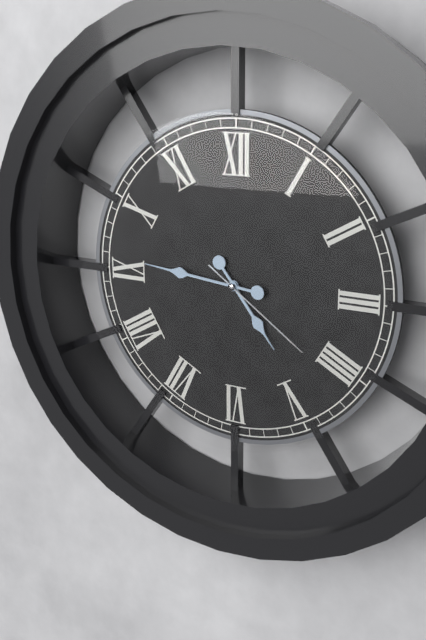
4:46:21
